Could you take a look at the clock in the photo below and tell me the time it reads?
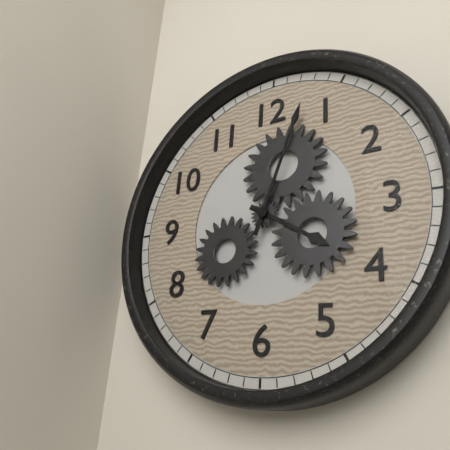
4:03
